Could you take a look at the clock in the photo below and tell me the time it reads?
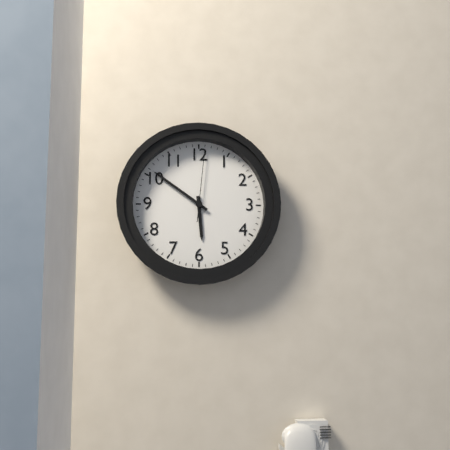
5:51:01
